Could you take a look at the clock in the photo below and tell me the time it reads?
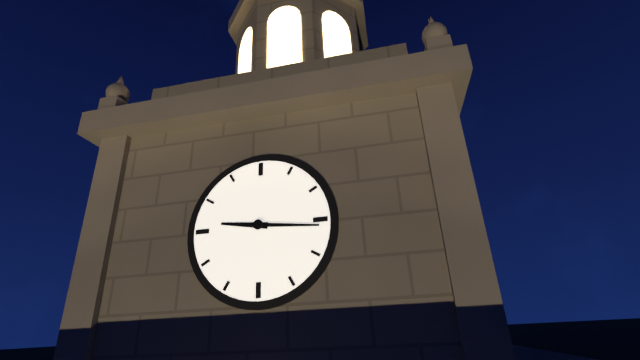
9:16
